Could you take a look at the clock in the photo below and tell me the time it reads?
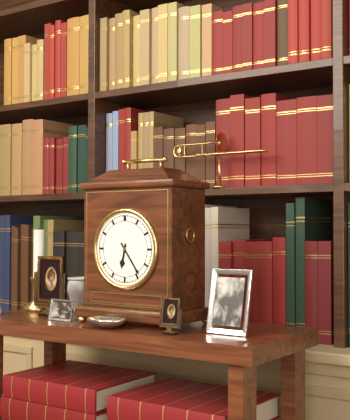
6:24
